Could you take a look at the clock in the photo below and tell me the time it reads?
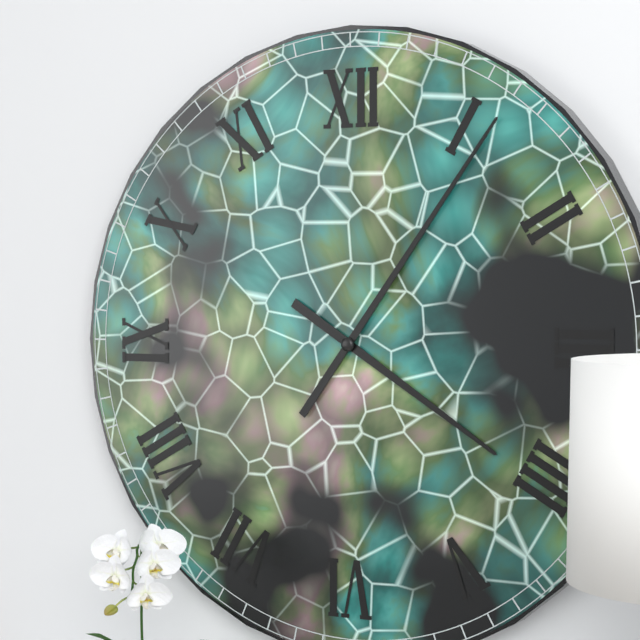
4:06
